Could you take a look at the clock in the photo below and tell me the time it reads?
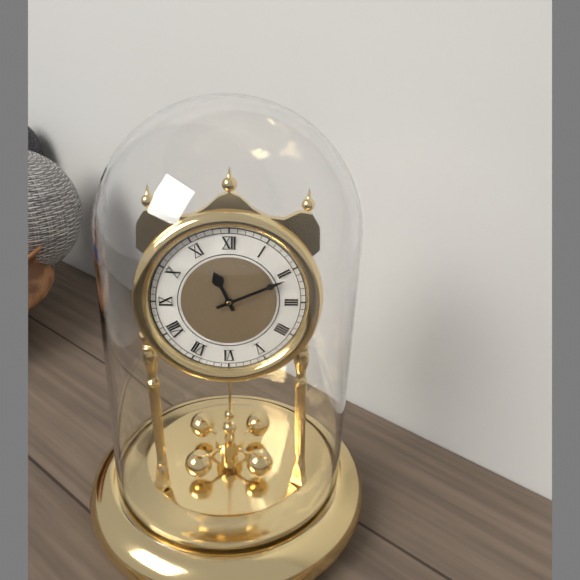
11:11
